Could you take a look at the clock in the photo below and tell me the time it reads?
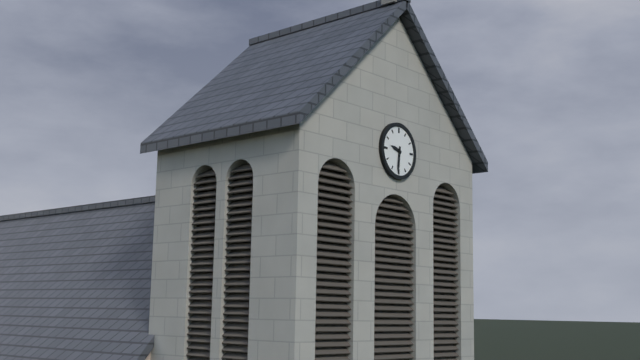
9:31
